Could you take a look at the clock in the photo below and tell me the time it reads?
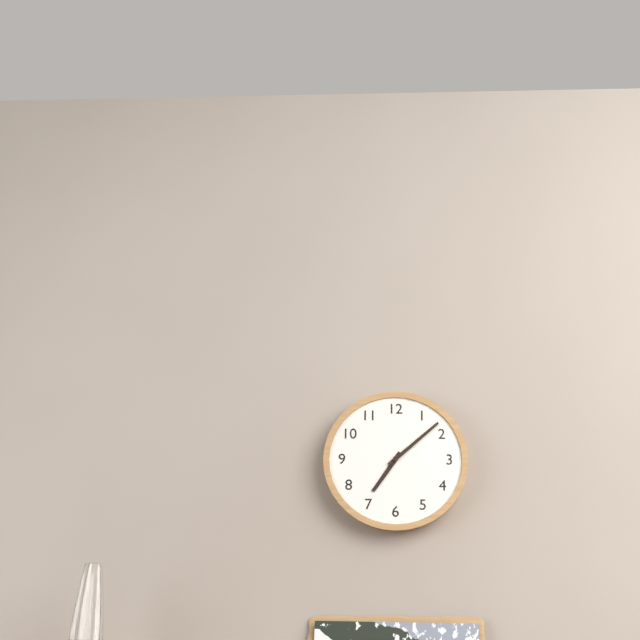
7:08
